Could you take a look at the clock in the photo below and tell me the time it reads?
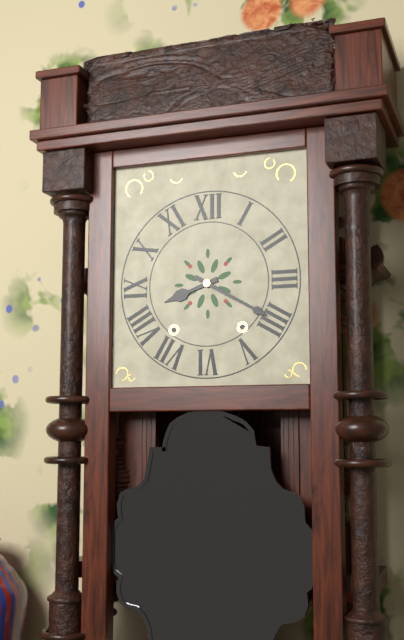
8:20
